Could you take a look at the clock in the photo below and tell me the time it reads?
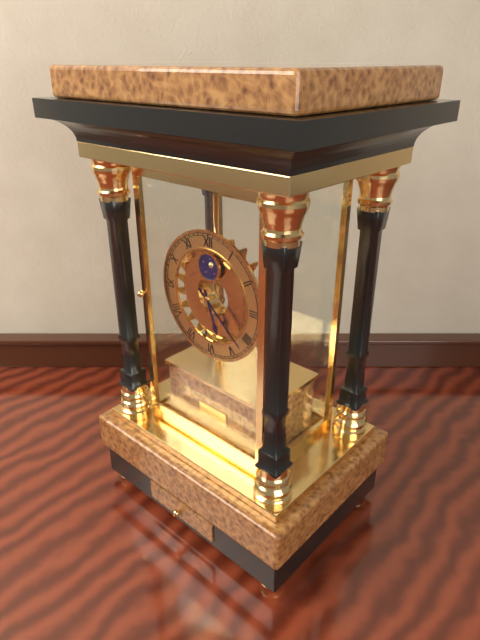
5:22
